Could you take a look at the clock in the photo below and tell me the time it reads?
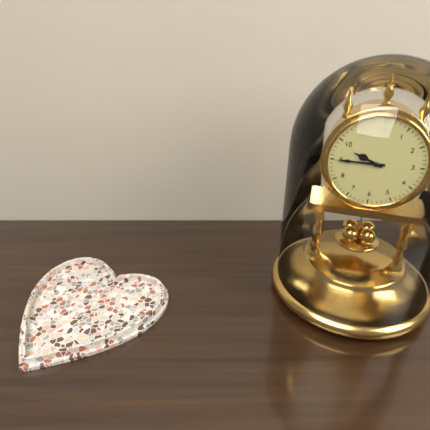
9:45
